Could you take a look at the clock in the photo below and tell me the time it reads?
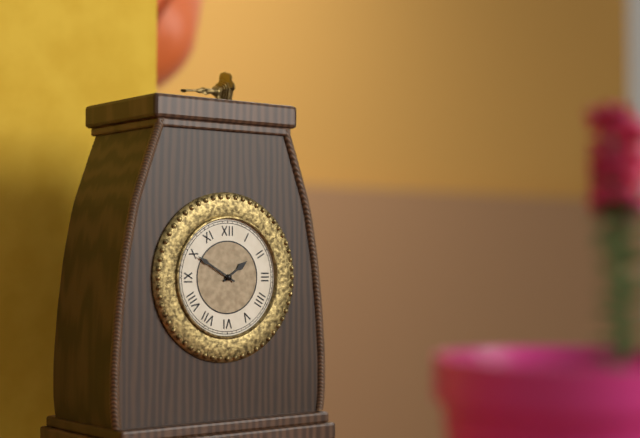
1:50
